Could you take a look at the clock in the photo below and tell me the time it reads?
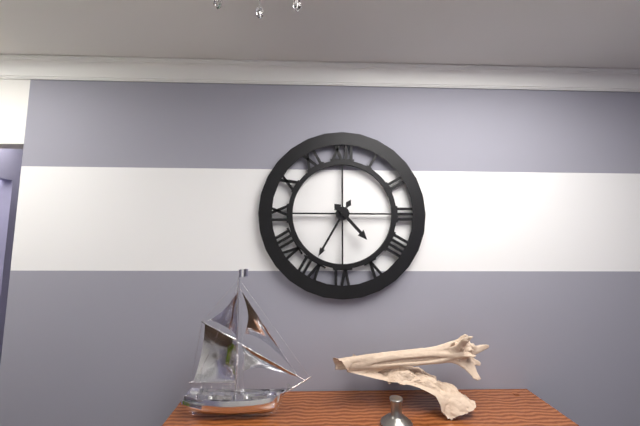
4:35
